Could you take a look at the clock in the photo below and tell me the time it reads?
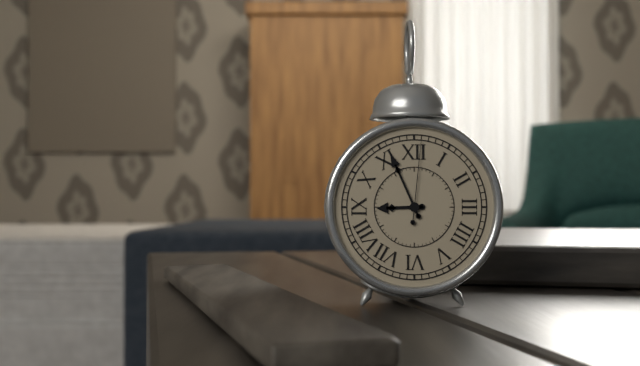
8:56:01
